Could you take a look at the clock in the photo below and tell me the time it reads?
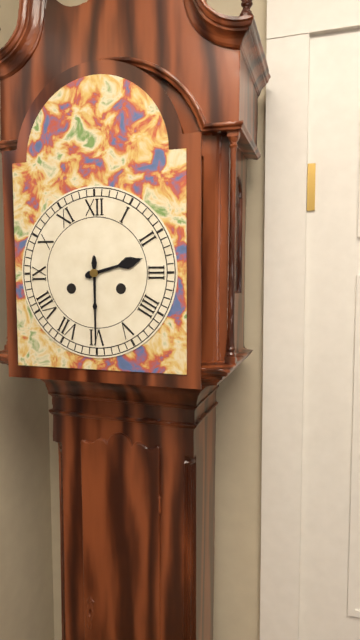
2:30
